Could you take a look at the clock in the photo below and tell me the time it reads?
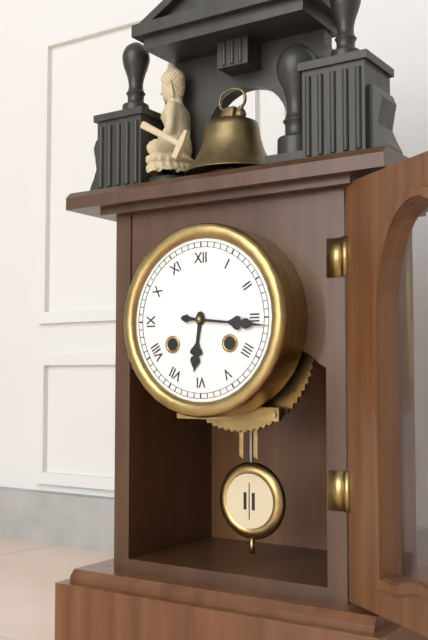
6:16
